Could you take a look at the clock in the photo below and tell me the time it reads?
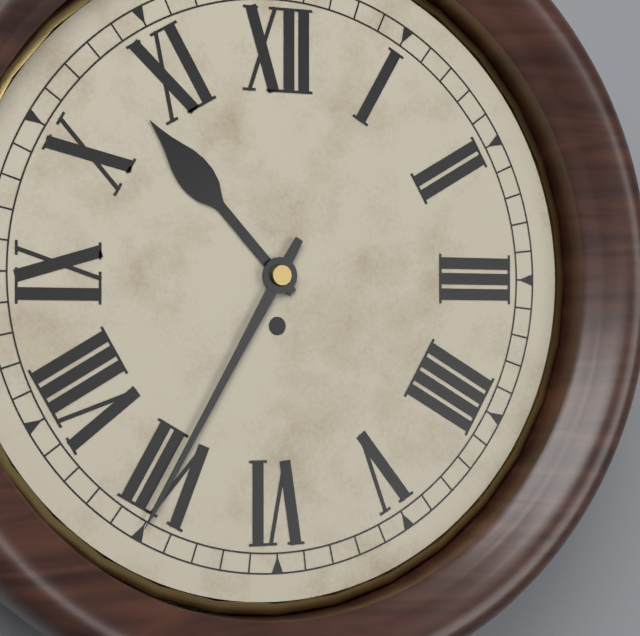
10:35
